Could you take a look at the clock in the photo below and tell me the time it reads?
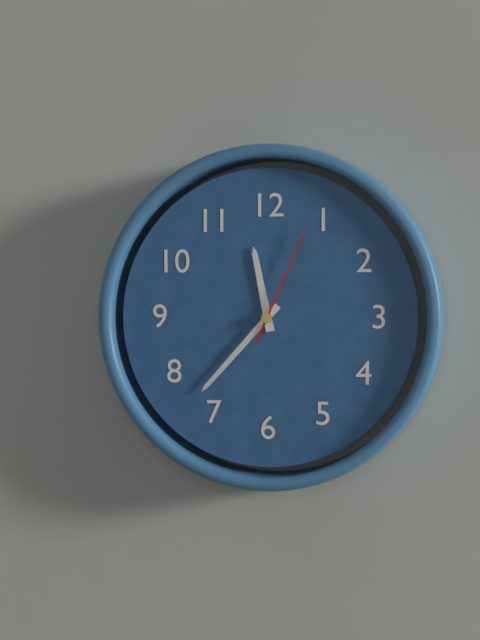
11:37:04
